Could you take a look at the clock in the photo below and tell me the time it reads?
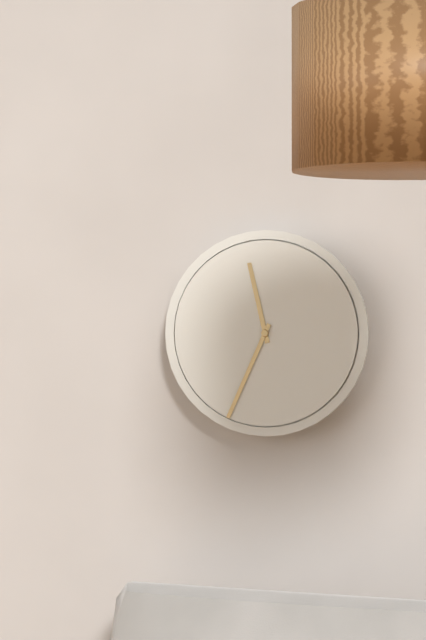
11:34
